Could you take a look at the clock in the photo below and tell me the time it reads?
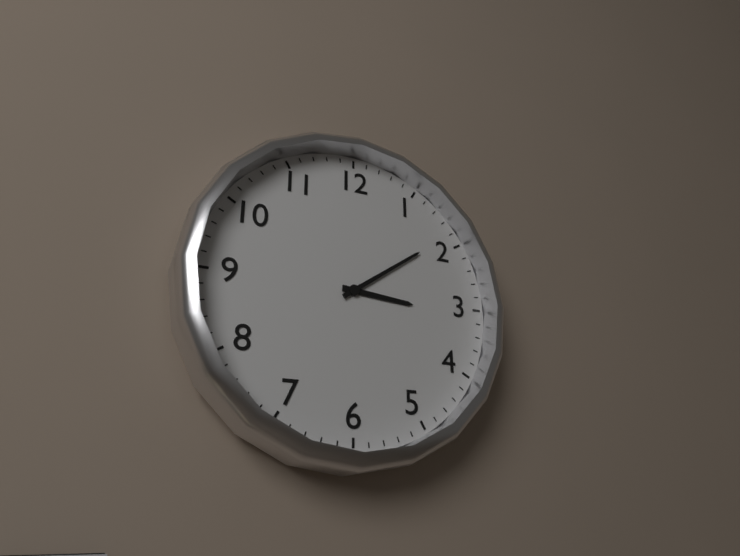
3:09
